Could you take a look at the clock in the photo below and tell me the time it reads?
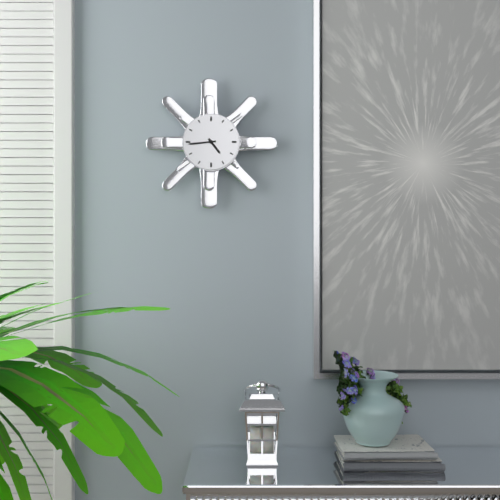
4:44
